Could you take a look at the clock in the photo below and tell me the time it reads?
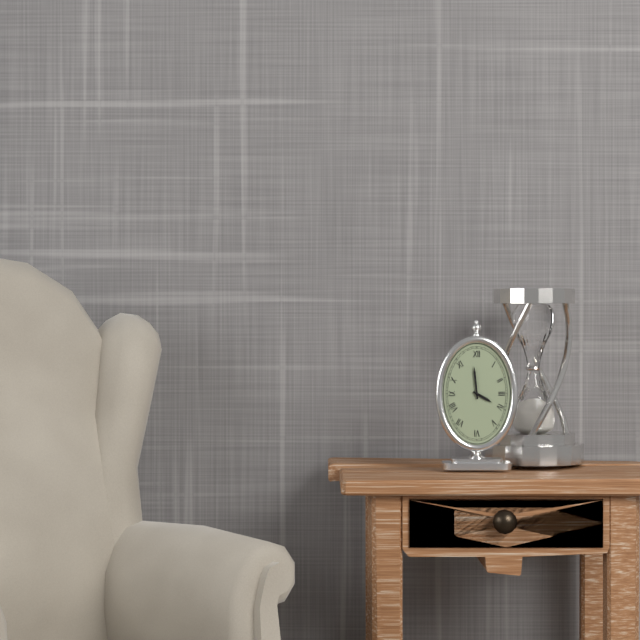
3:59
